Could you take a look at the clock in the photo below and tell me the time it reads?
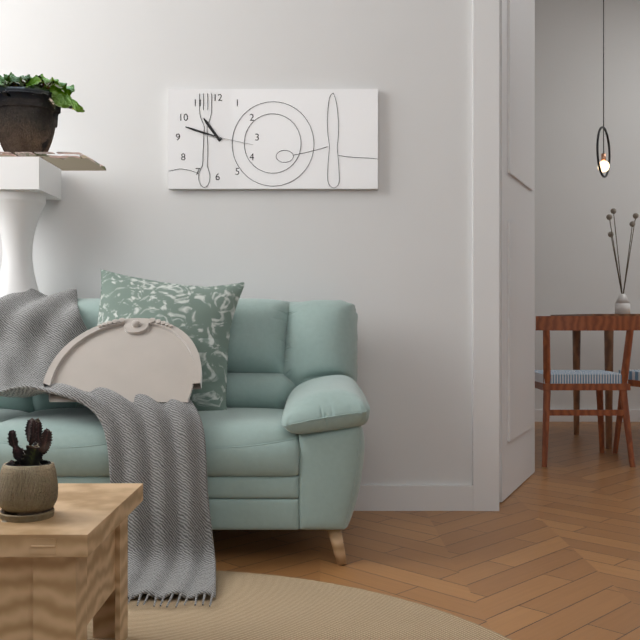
10:48
